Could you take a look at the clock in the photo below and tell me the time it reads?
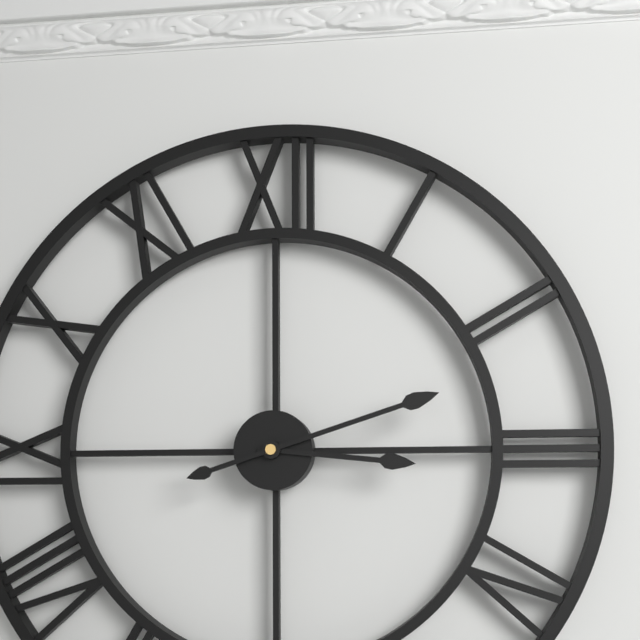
3:12
